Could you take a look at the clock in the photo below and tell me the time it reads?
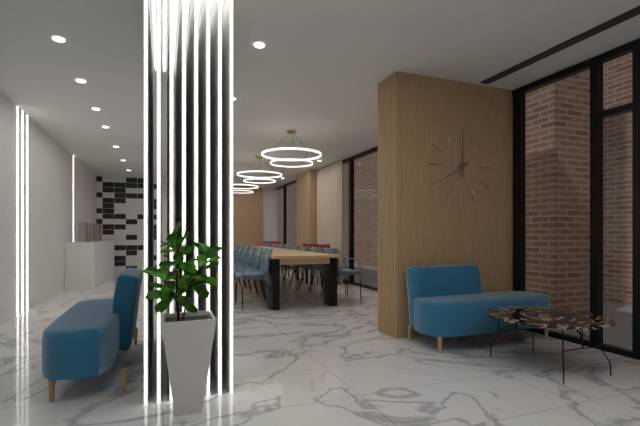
8:00
